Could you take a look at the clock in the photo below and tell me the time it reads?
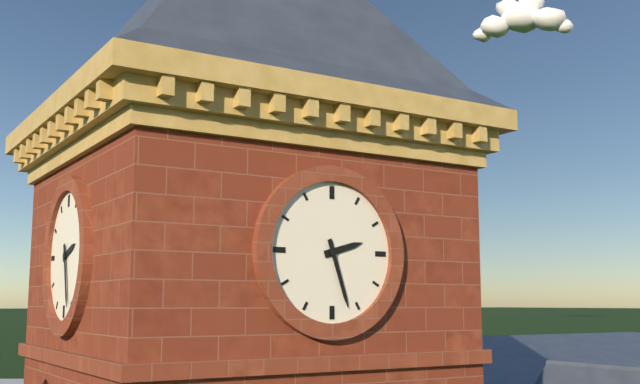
2:27
